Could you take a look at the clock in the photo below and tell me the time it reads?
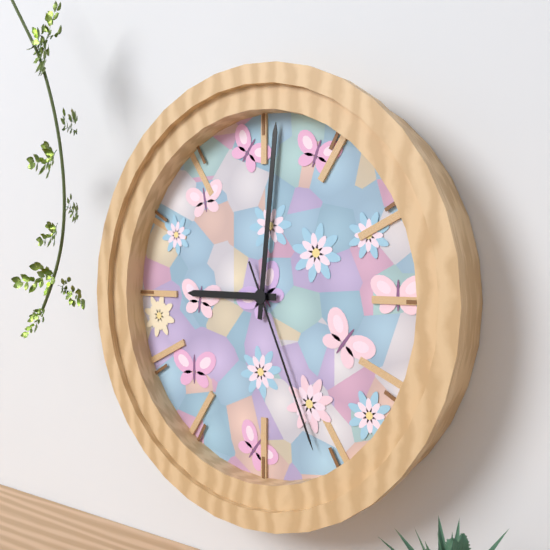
9:01:26
